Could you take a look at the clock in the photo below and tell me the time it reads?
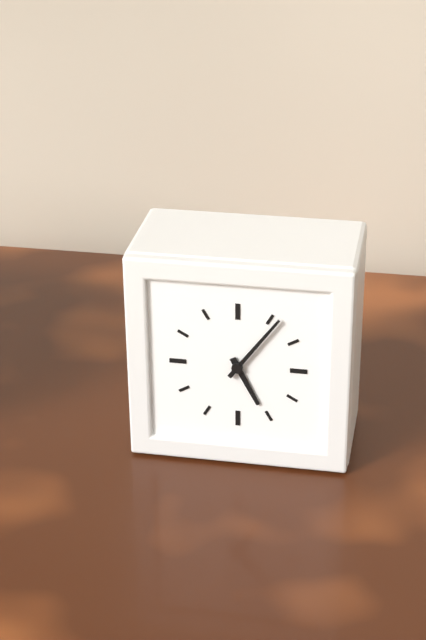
5:06
